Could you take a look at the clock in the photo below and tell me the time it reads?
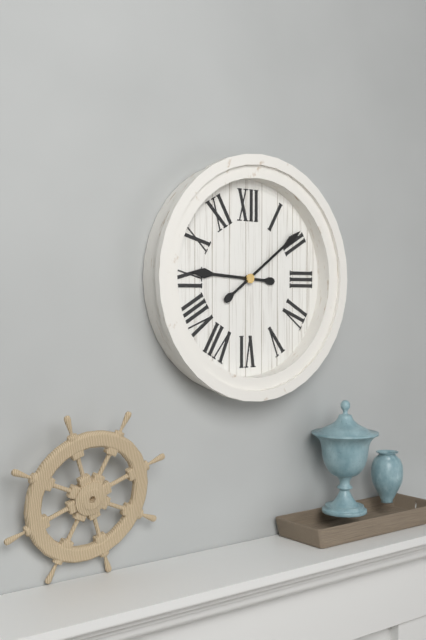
9:09
